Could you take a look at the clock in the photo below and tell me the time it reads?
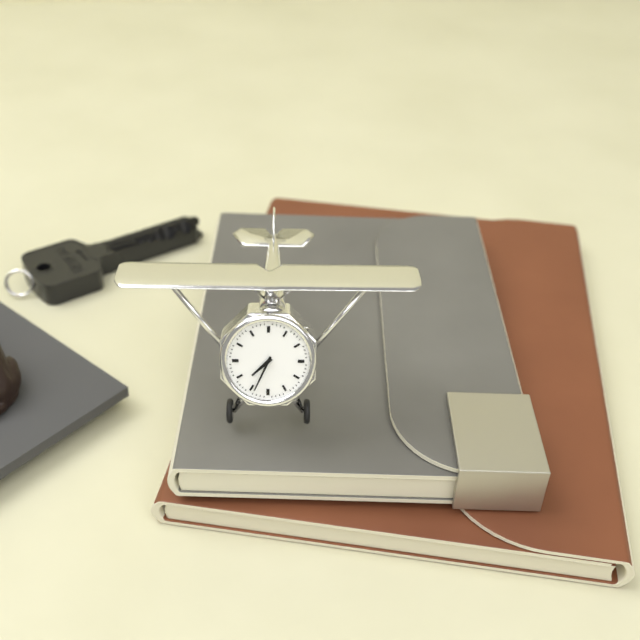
7:34
